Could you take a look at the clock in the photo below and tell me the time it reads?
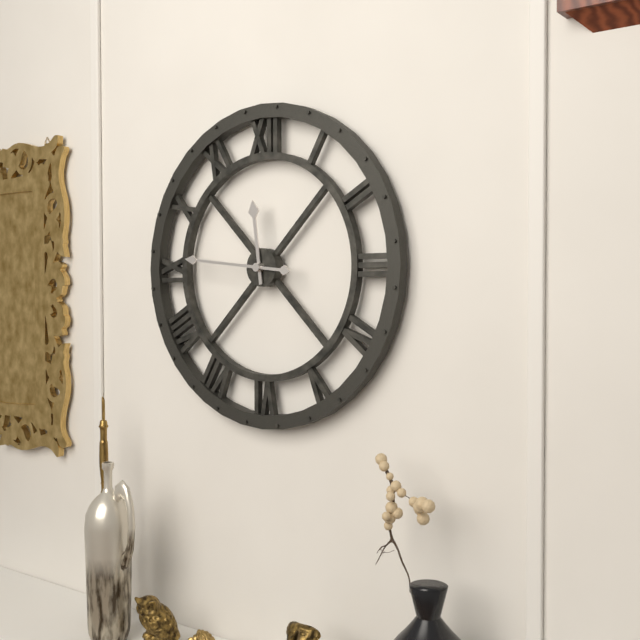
11:46
